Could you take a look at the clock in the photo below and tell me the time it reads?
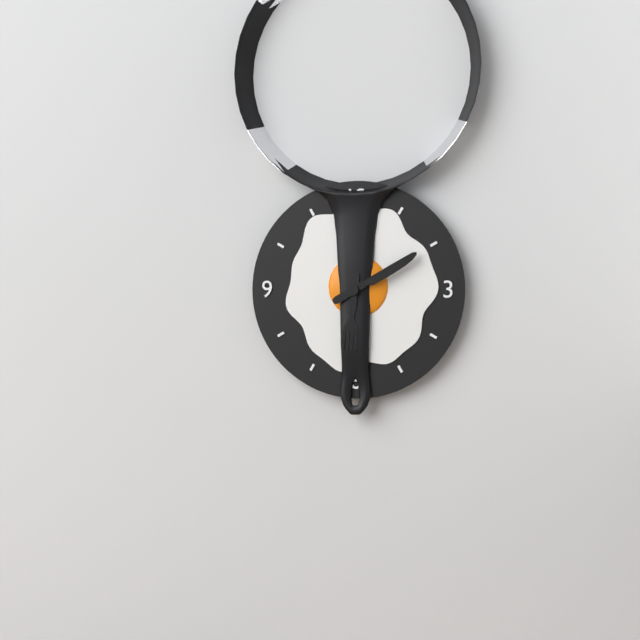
6:10
